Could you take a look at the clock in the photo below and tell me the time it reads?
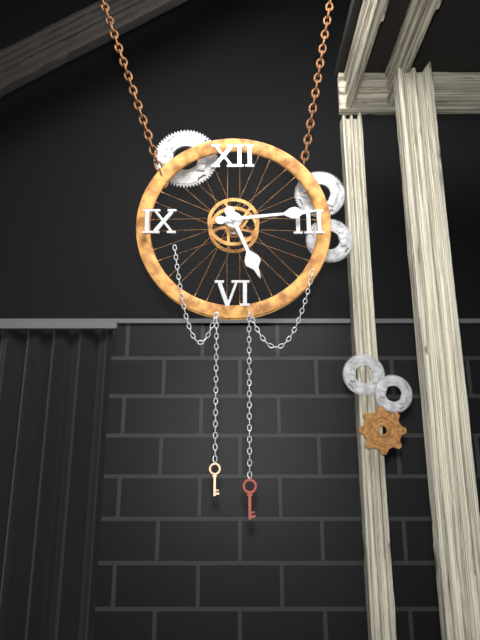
5:14
